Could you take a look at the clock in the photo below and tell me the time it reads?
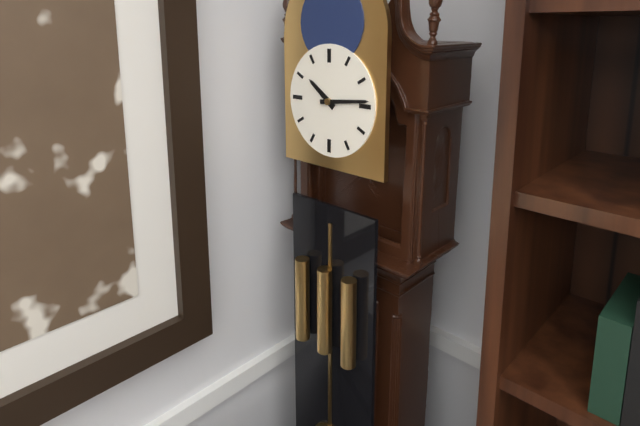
10:14
